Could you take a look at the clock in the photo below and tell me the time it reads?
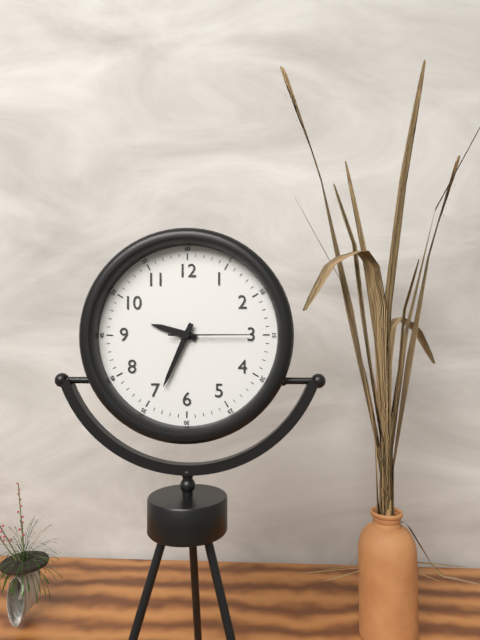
9:34:15
